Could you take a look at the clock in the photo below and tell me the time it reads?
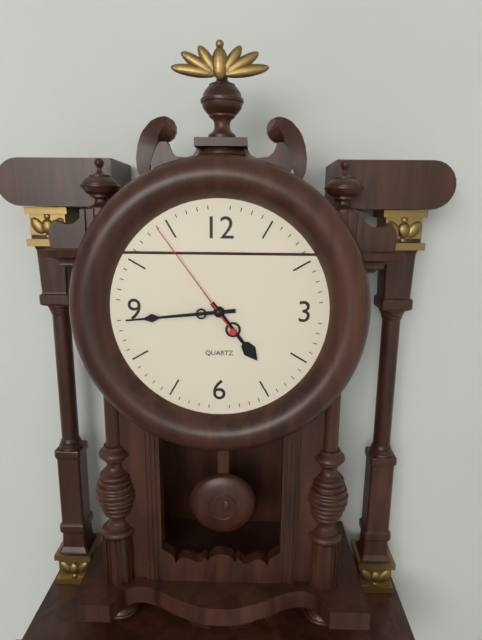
4:44:54
